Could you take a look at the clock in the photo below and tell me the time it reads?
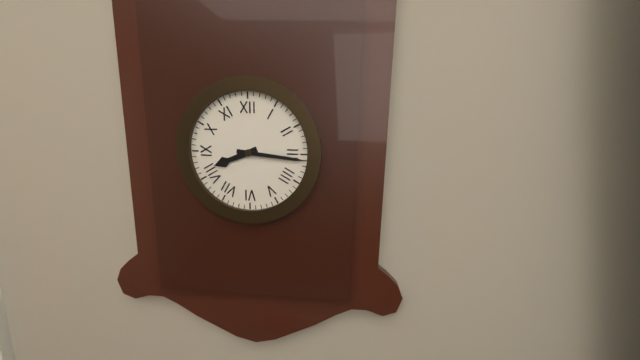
8:16
